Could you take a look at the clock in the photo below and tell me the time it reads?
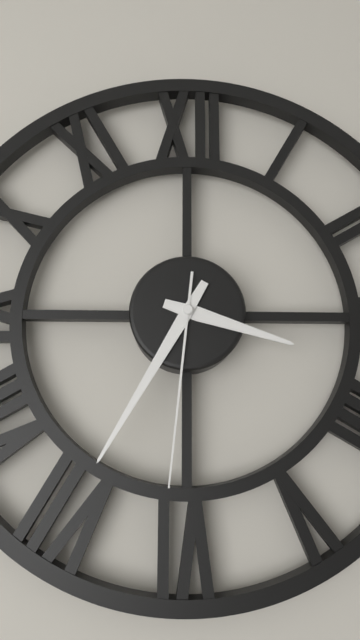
3:35:31
